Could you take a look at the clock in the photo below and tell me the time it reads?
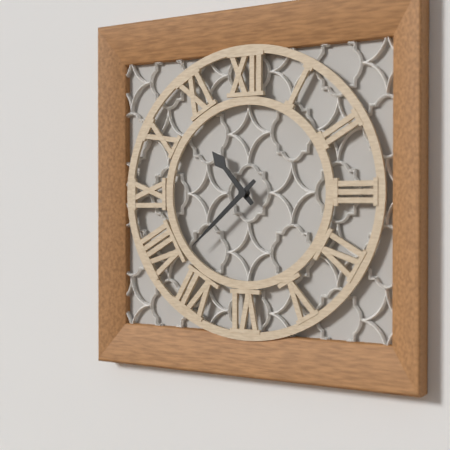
10:38
